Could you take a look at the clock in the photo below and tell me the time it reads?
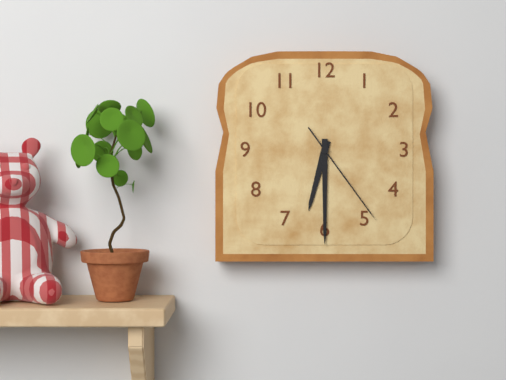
6:30:24
